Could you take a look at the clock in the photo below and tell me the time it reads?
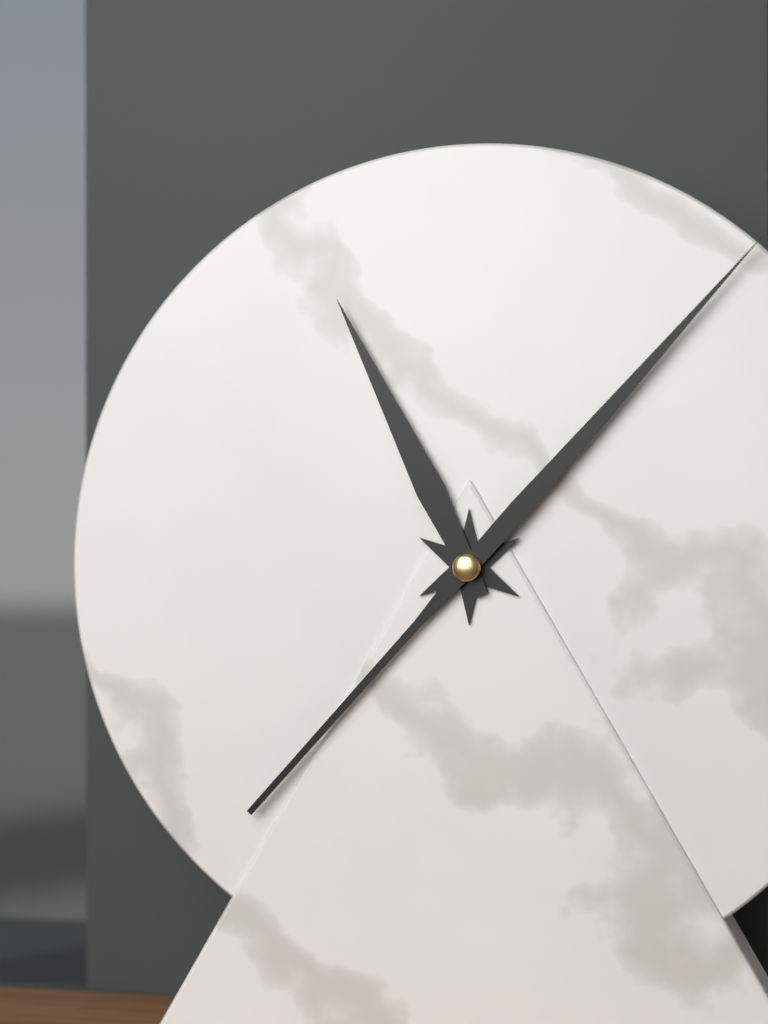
11:07
